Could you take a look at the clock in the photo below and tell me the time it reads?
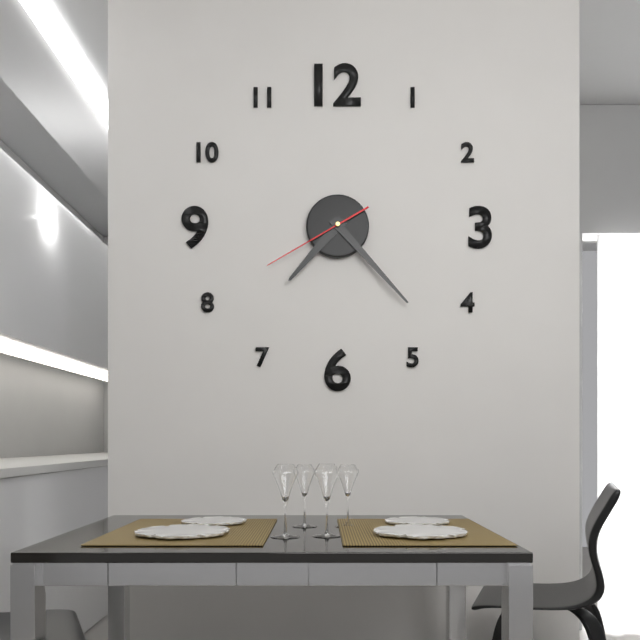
7:23:40
